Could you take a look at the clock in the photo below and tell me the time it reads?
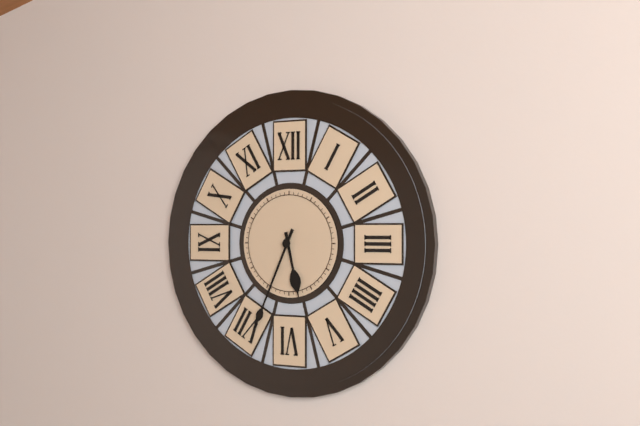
5:34
